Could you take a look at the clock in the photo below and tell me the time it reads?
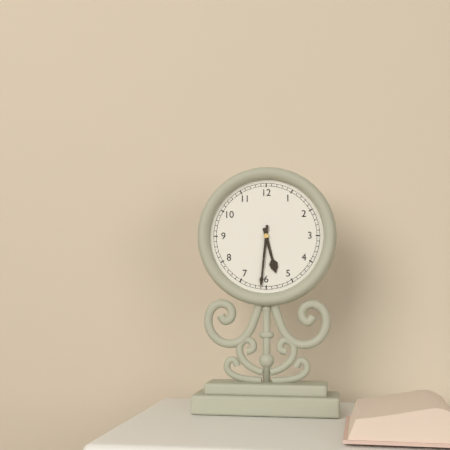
5:31
